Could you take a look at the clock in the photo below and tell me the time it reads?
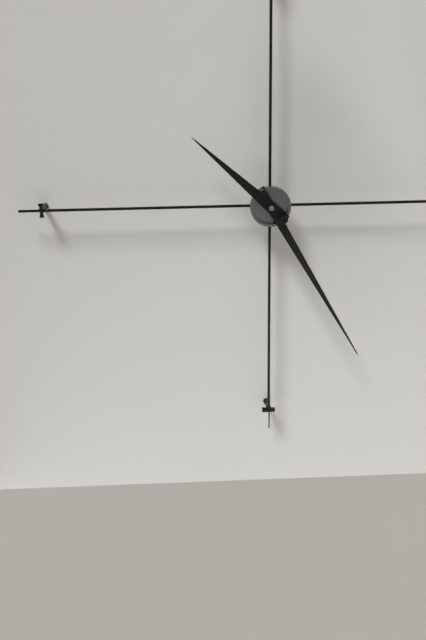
10:25
